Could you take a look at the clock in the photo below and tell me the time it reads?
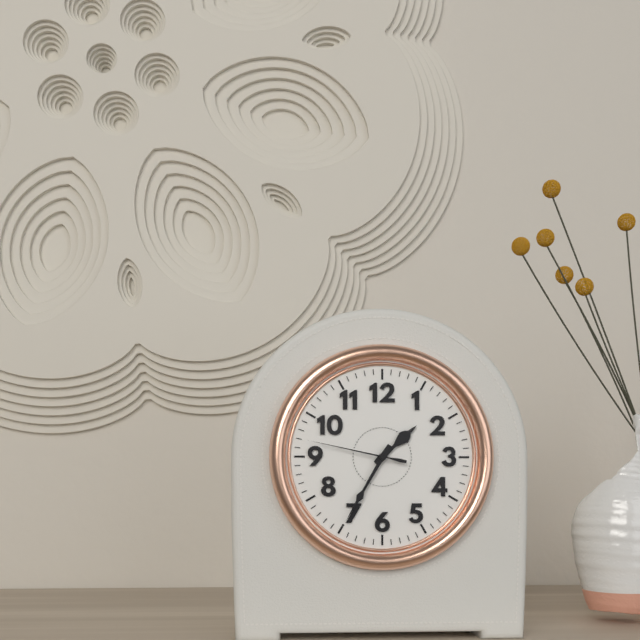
1:35:47
